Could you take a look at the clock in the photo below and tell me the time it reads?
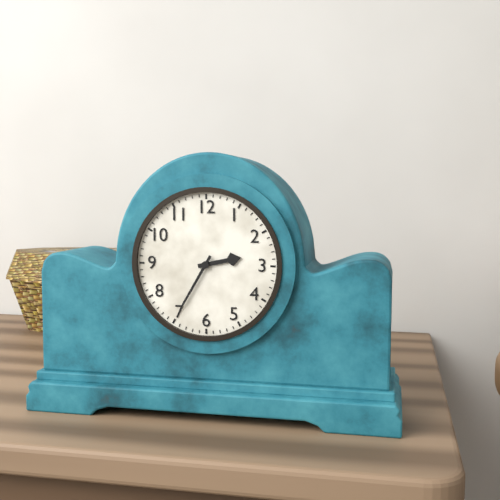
2:35
